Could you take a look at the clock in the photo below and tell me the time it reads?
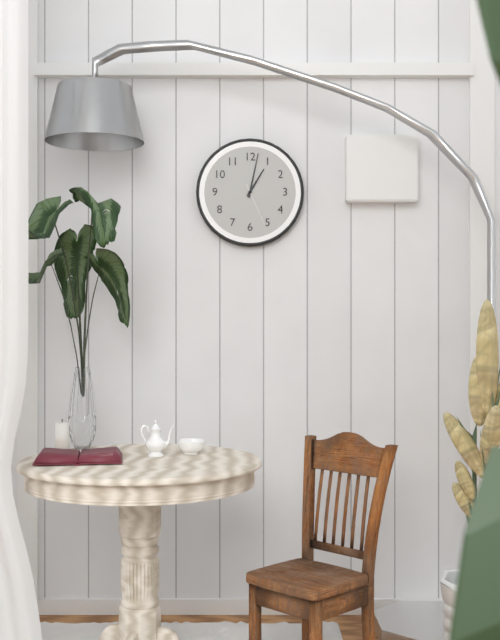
1:02
